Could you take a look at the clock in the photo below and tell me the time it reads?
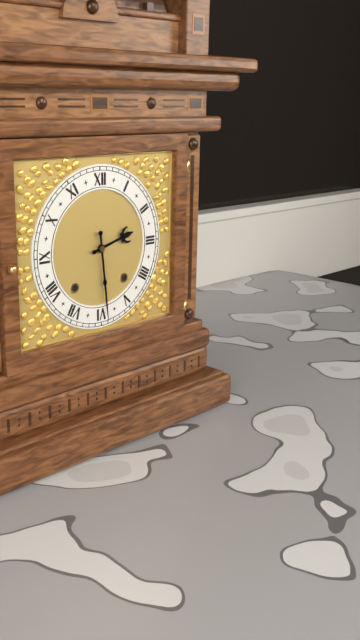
2:29
